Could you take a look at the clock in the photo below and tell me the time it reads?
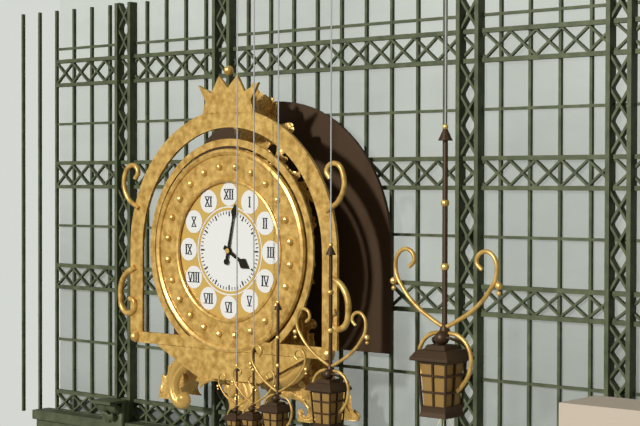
4:02
